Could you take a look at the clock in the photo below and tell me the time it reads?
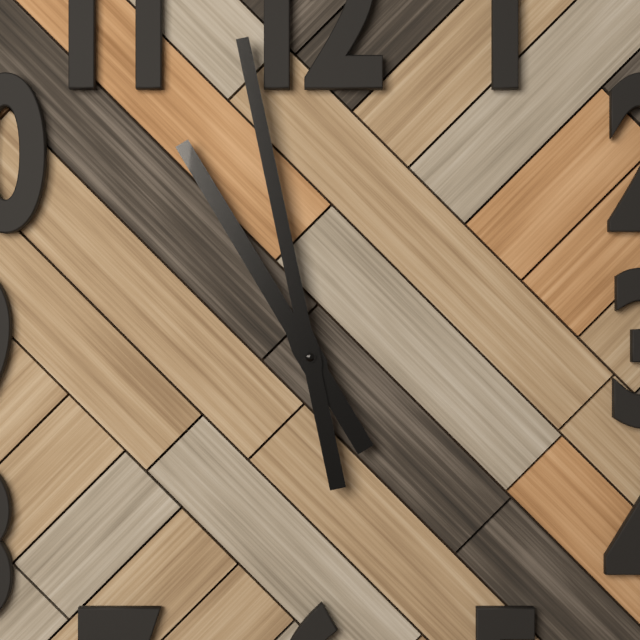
10:58
